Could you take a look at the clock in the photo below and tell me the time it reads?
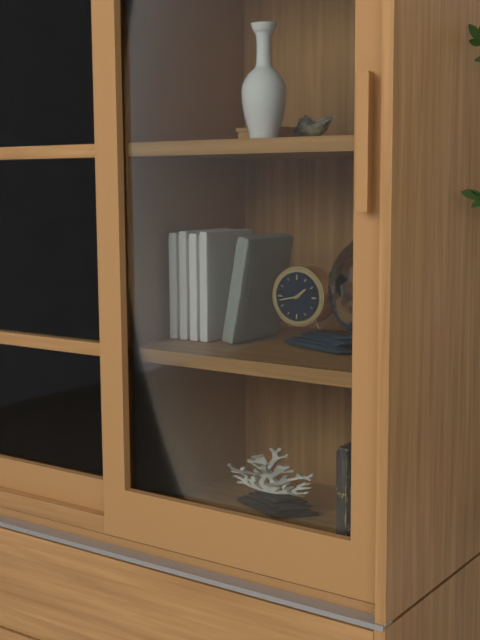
1:43
